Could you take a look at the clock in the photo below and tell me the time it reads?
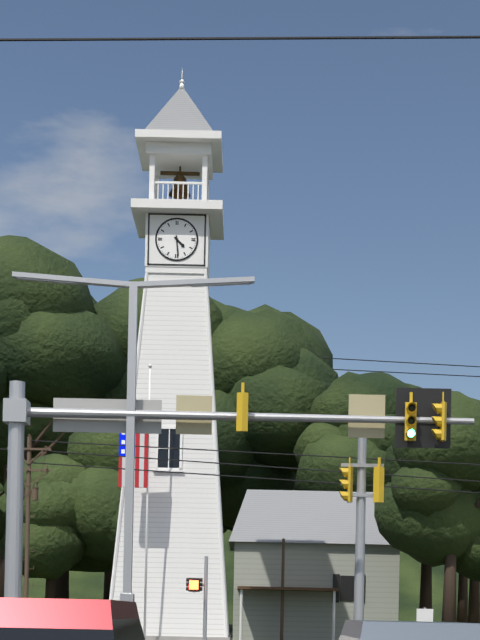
4:29
